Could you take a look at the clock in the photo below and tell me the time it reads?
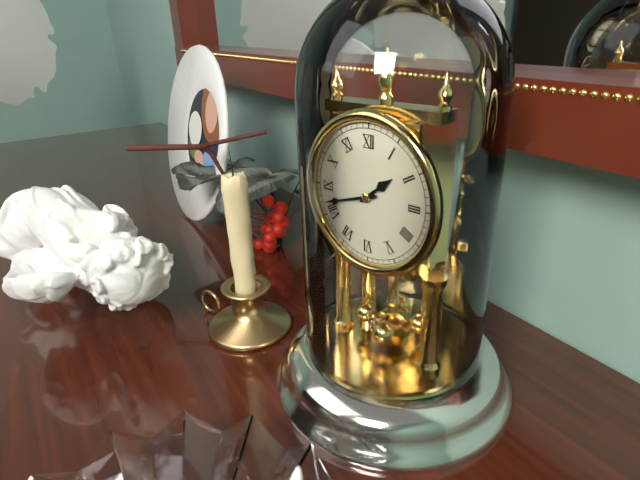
1:42
